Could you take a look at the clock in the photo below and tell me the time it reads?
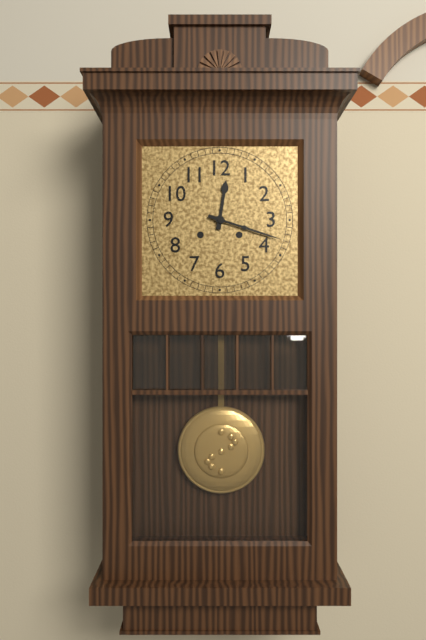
12:18
